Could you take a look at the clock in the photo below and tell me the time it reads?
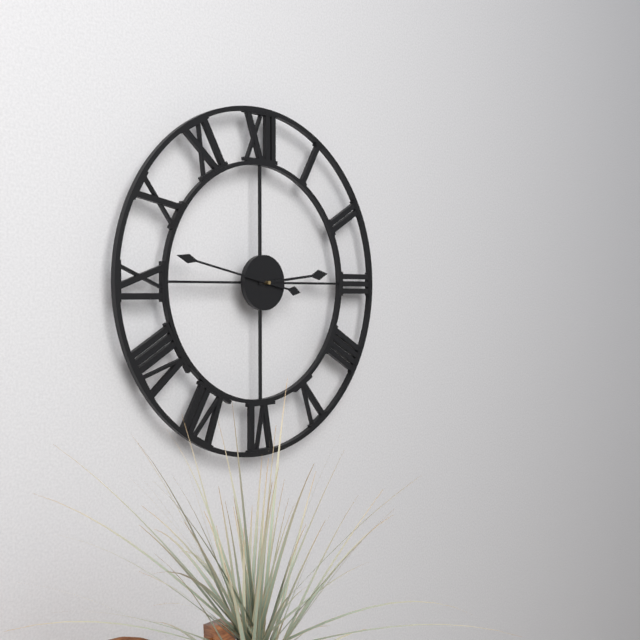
2:47
